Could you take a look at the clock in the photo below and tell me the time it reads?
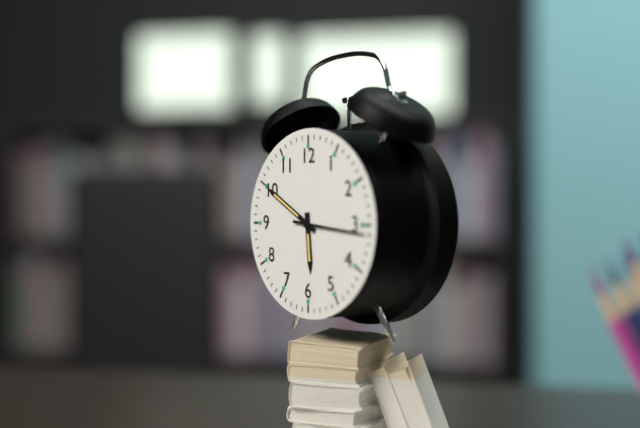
5:50:16
